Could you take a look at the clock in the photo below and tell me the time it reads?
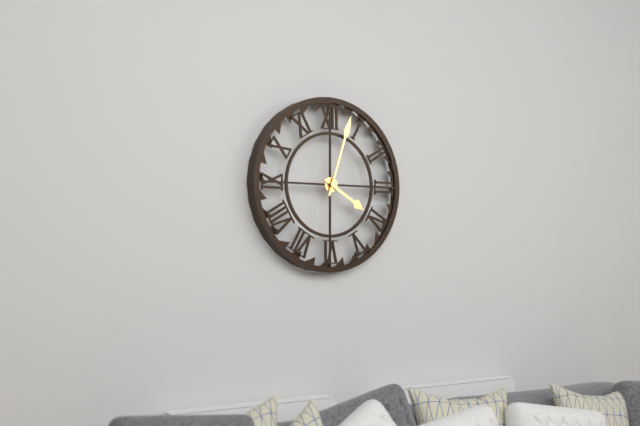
4:03
